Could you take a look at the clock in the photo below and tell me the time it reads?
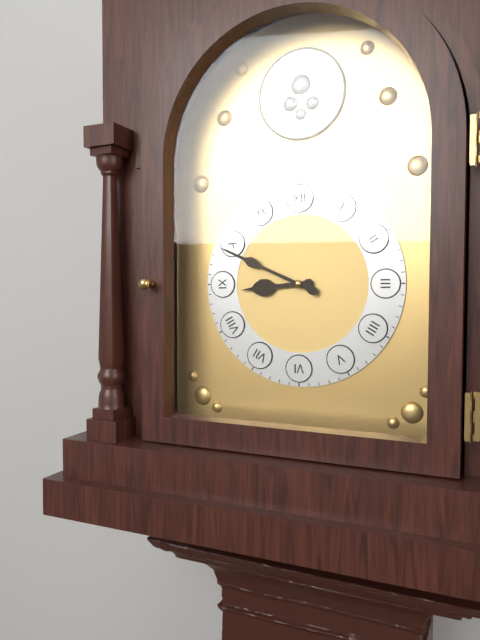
8:49
